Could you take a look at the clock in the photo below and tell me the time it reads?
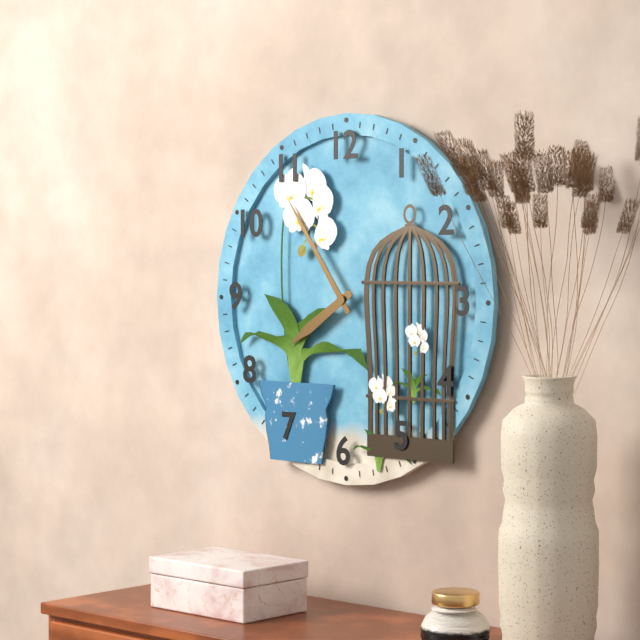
7:54
